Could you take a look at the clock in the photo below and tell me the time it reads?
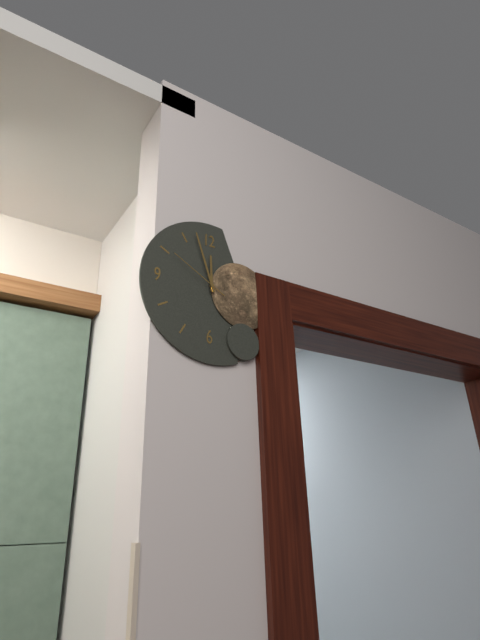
11:57:50
